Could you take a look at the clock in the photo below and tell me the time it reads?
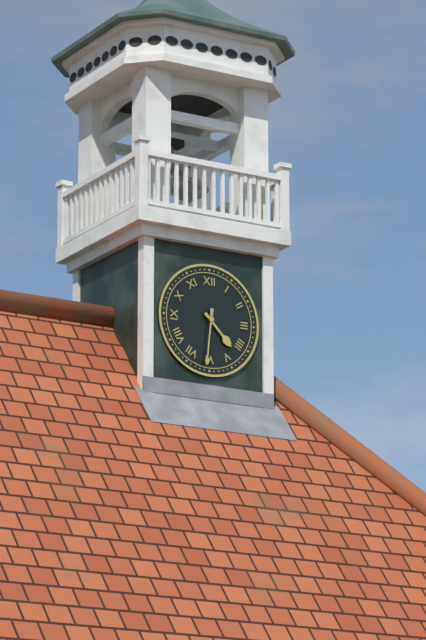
4:31
